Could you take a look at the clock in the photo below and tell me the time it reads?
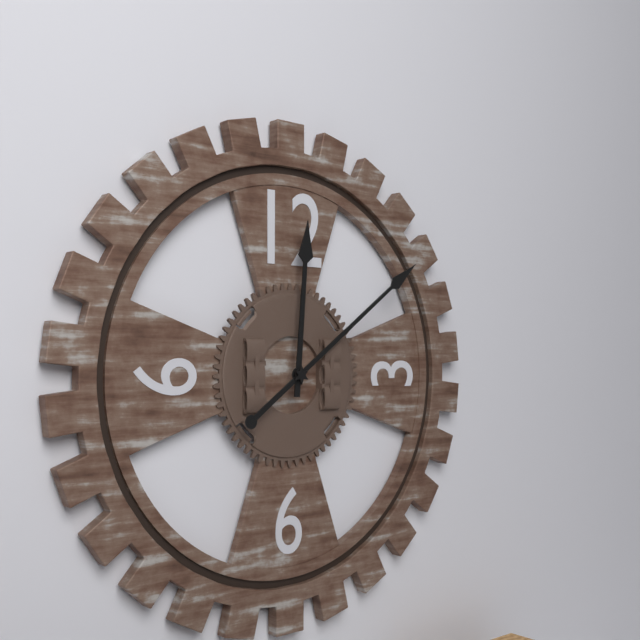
12:09
